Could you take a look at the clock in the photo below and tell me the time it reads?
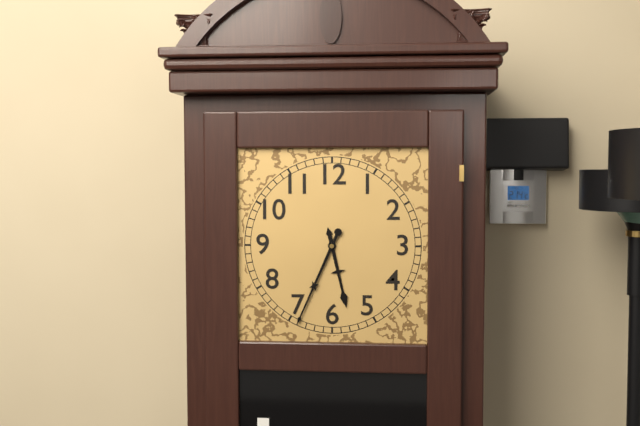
5:34
